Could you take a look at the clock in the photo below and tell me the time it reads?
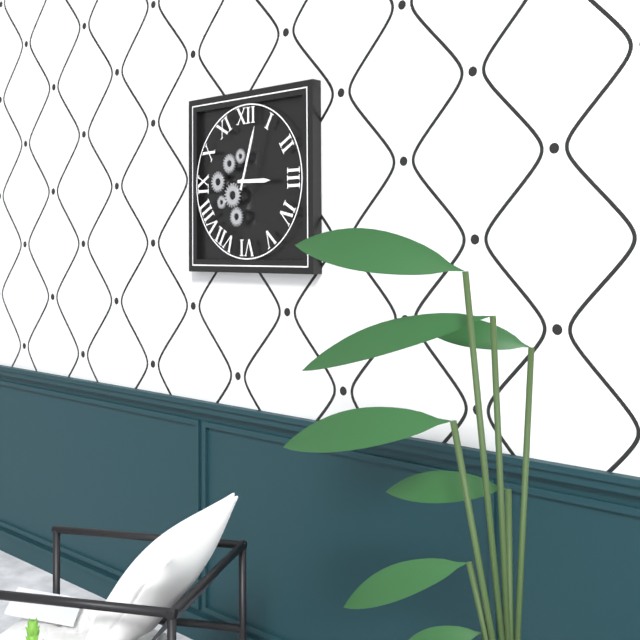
3:03
